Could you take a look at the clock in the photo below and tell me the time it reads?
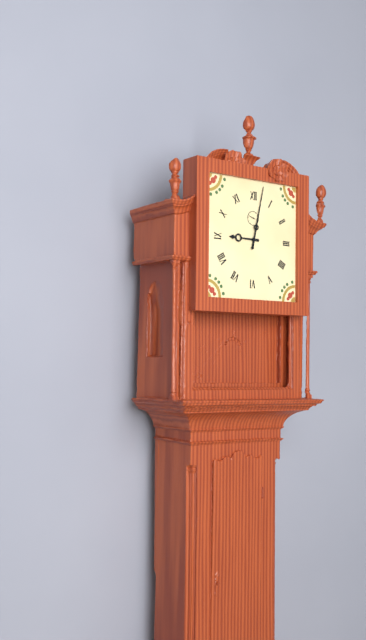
9:02
